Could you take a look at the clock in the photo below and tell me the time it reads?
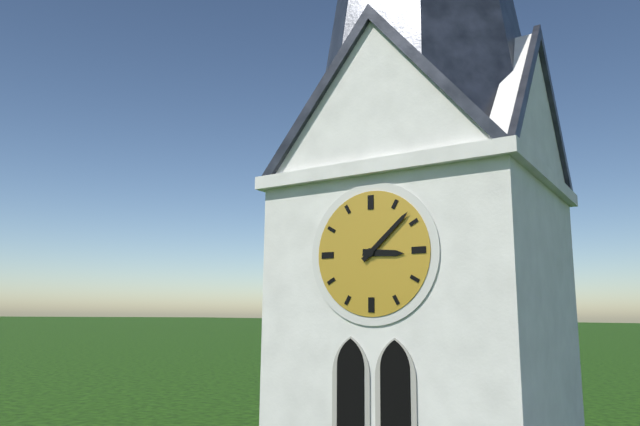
3:08
